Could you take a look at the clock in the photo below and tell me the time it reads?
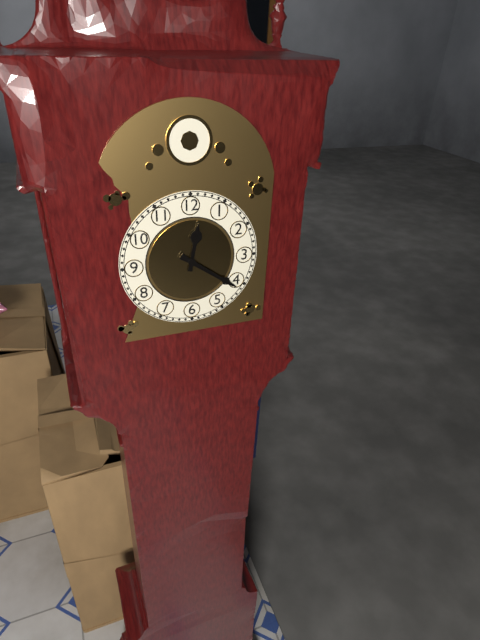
12:21
